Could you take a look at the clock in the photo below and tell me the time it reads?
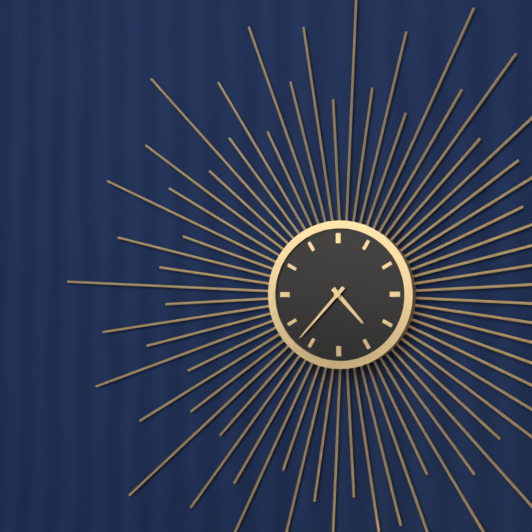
4:37
